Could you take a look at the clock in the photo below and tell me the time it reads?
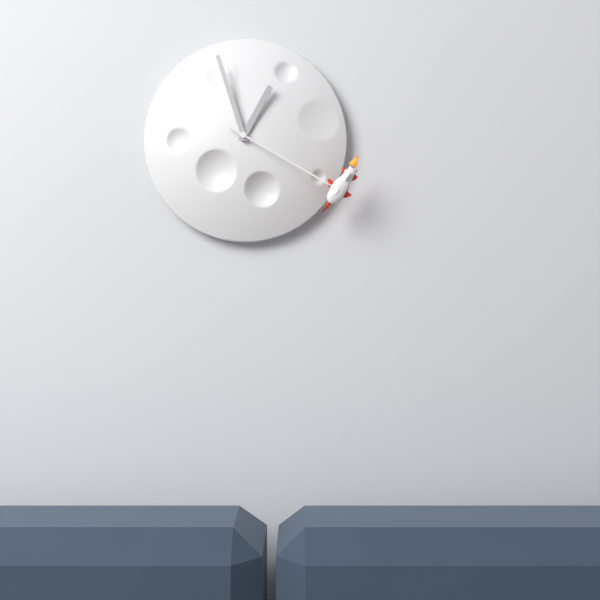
12:57:20
